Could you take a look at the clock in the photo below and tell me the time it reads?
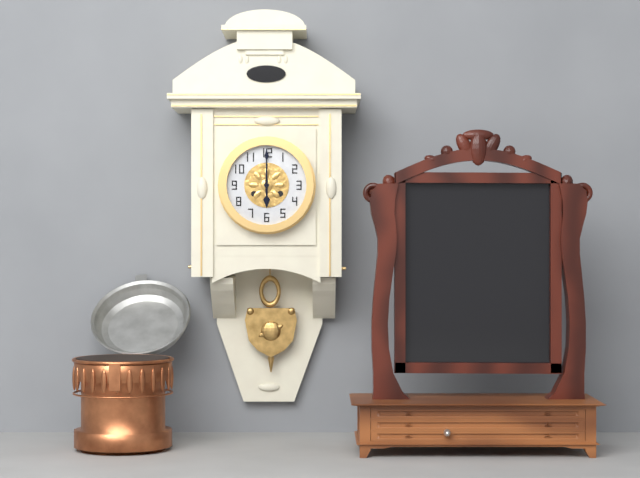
6:00
